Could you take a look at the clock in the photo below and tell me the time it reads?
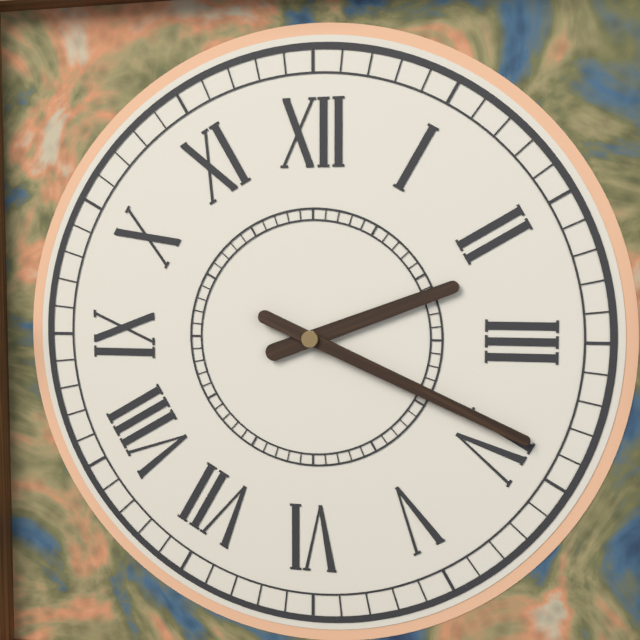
2:19
